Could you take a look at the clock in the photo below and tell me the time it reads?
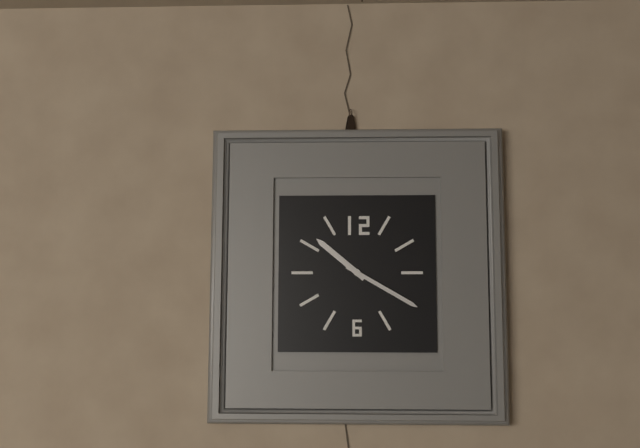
10:20
